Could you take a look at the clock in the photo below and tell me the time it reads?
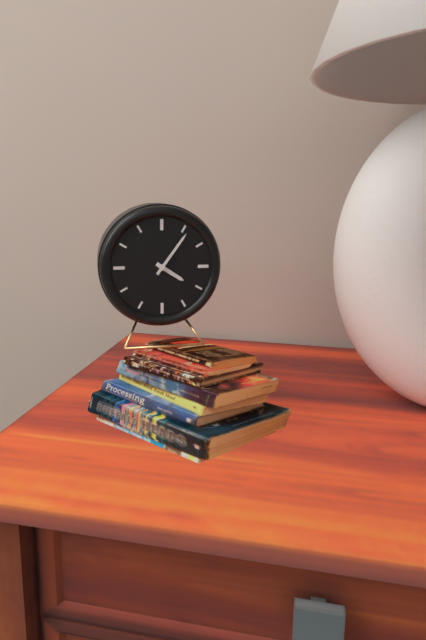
4:06
